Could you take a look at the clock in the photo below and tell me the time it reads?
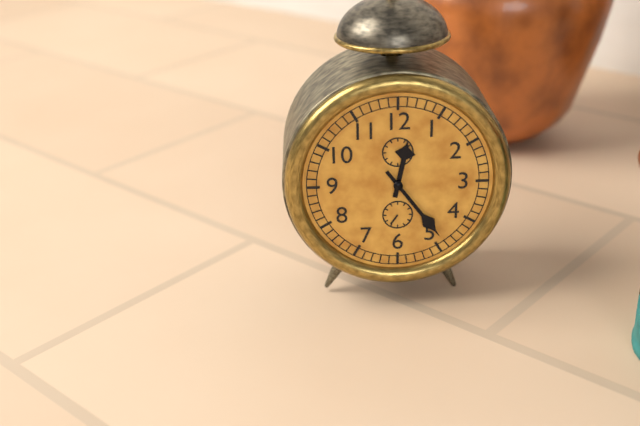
12:24
